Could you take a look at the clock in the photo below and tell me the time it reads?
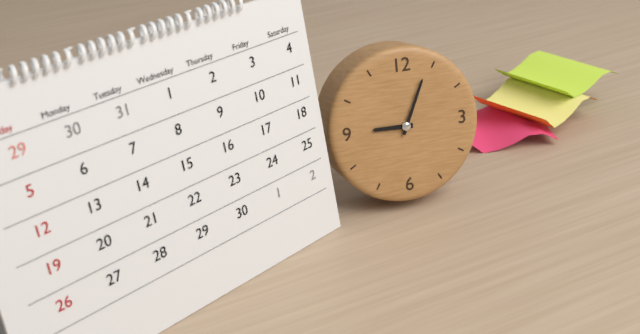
9:04
